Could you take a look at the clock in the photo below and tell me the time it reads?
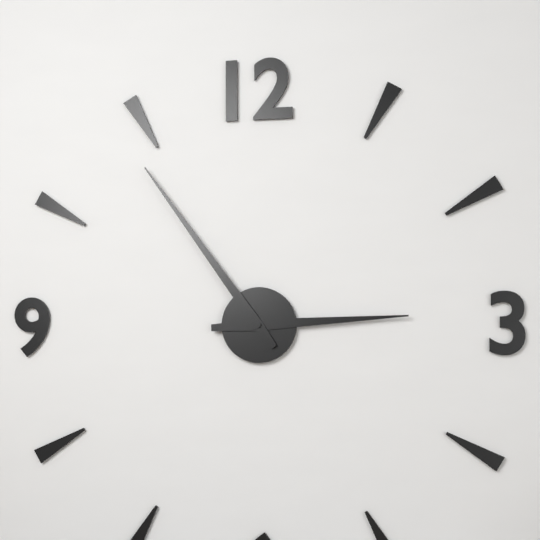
2:54
